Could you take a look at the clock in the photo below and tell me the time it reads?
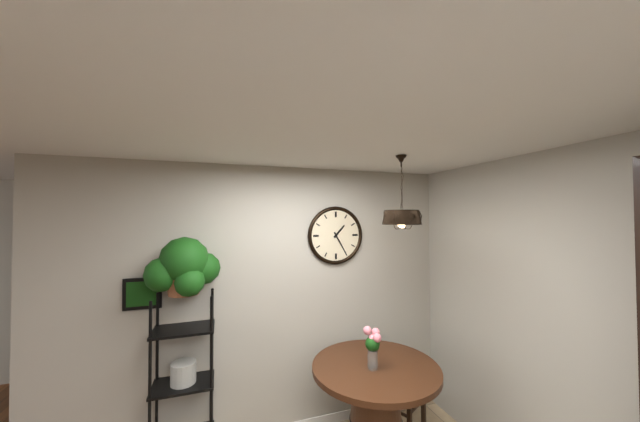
1:25
